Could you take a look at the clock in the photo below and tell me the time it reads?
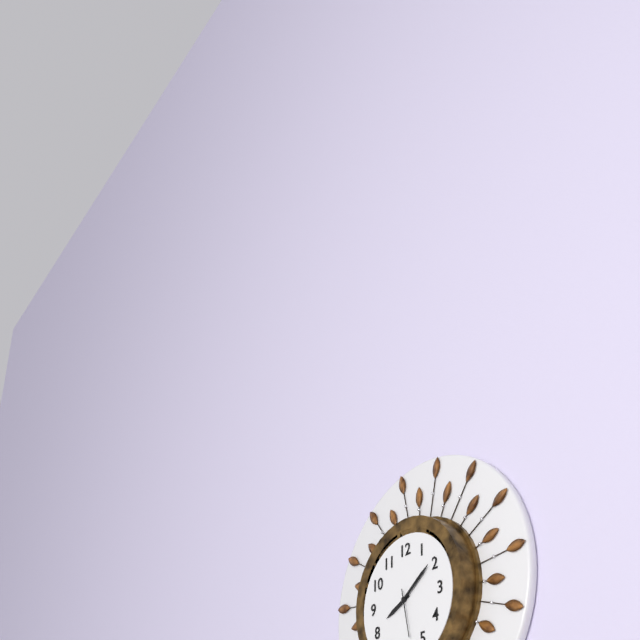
8:09
